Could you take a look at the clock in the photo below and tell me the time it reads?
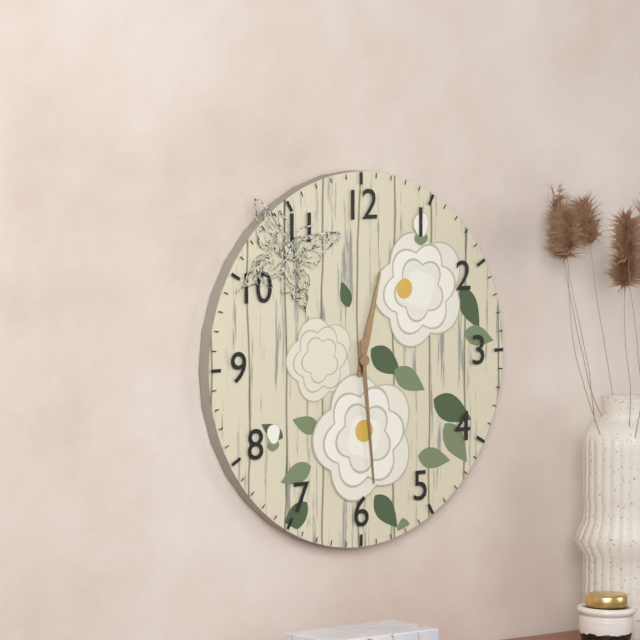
12:29
